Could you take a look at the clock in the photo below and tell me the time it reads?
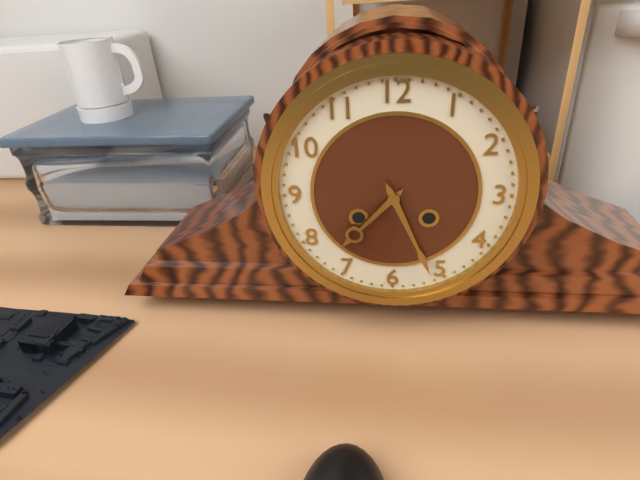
7:26
